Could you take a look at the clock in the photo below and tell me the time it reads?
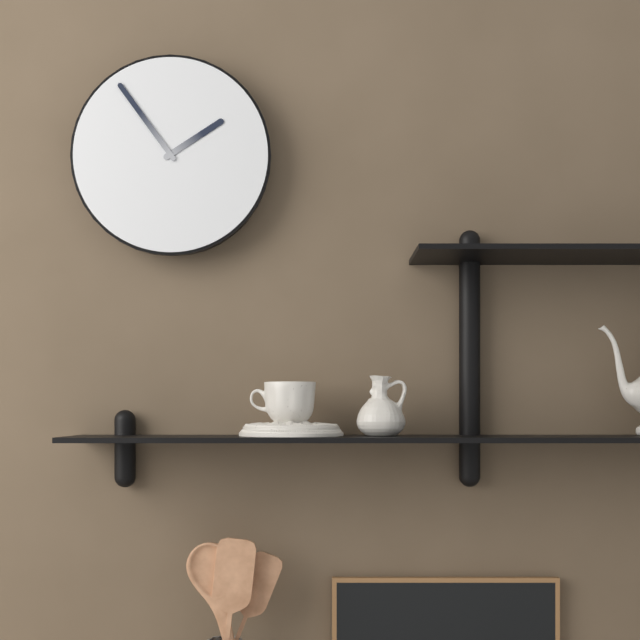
1:54
